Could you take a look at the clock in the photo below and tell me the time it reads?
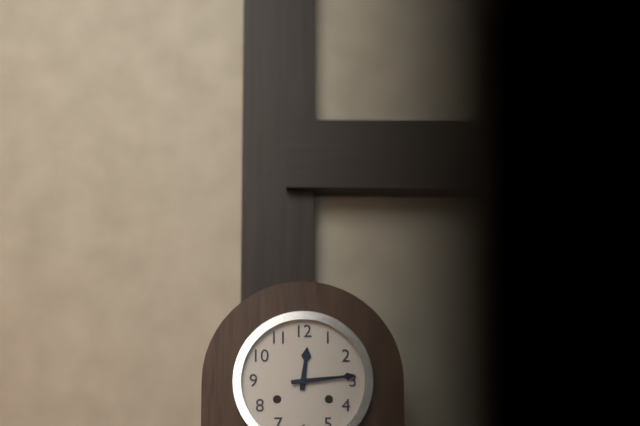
12:14
